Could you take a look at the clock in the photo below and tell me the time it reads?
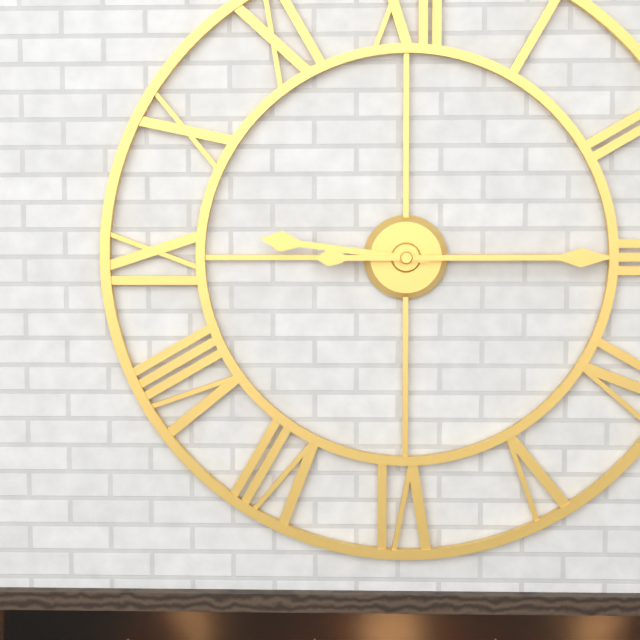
9:15
